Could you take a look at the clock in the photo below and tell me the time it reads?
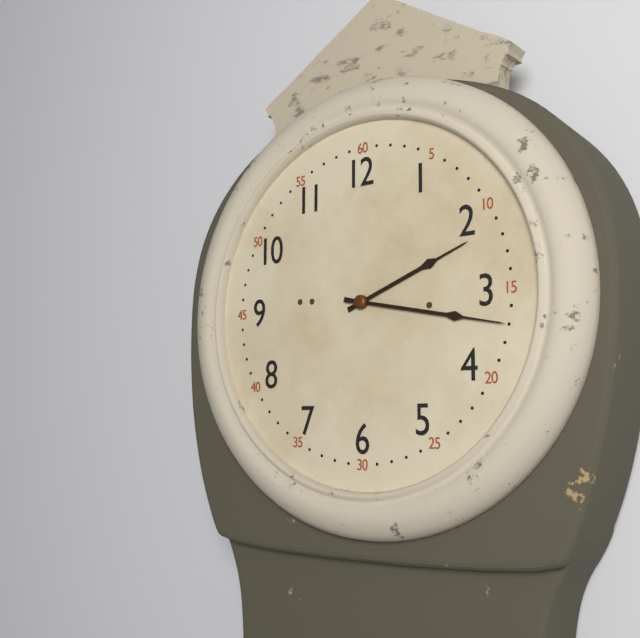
2:17
